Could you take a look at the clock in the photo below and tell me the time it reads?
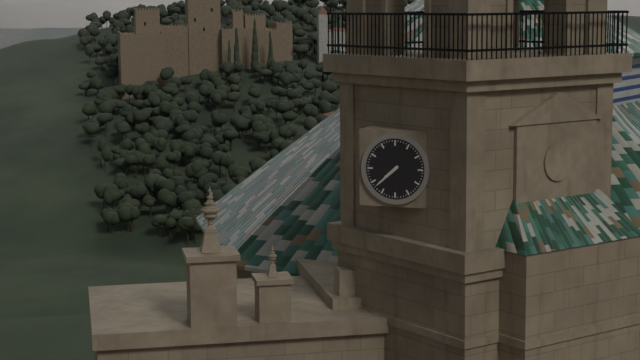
7:38
